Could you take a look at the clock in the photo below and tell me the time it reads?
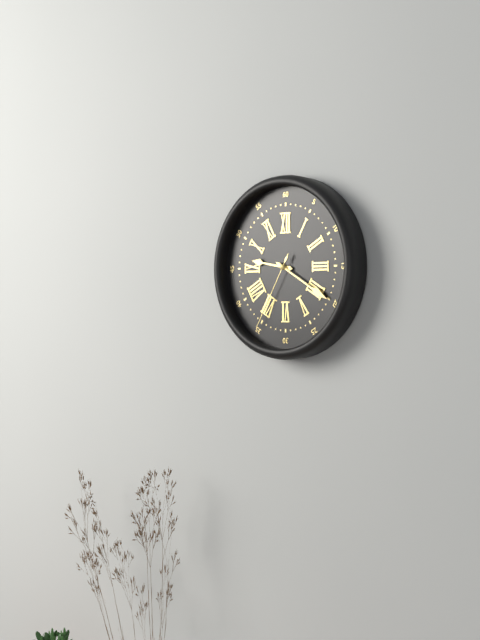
9:20:35
